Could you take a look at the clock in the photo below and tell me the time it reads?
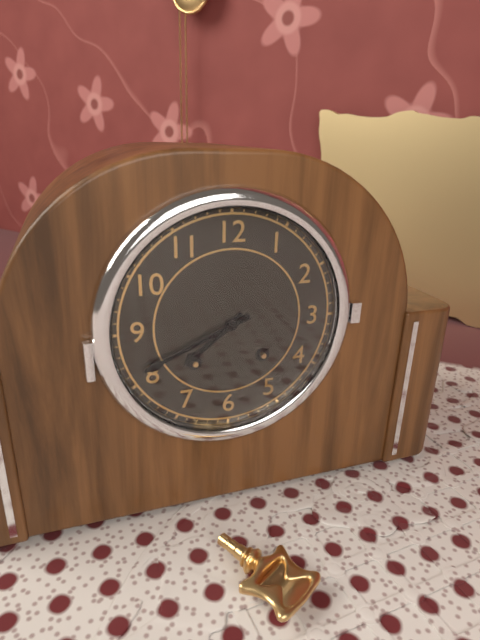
7:41
